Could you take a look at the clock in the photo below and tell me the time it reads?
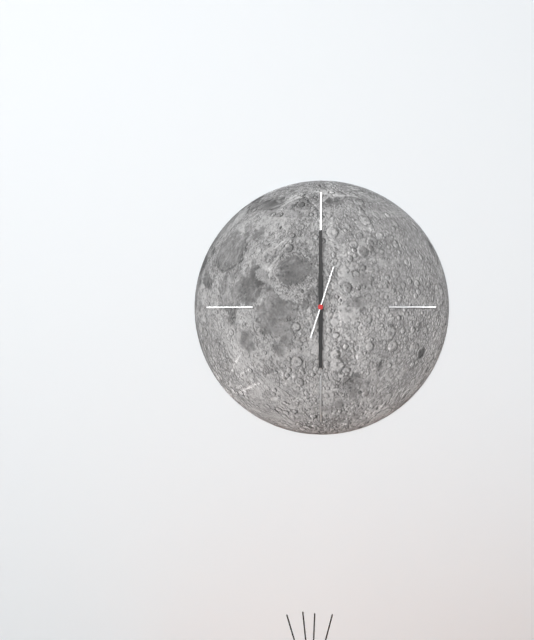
6:00:03
